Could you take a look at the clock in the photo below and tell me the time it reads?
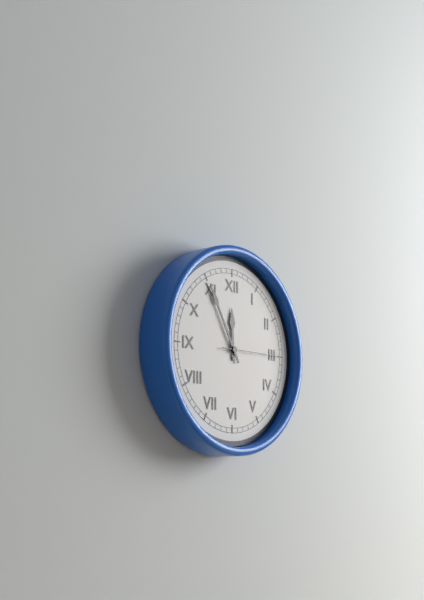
11:55:15
